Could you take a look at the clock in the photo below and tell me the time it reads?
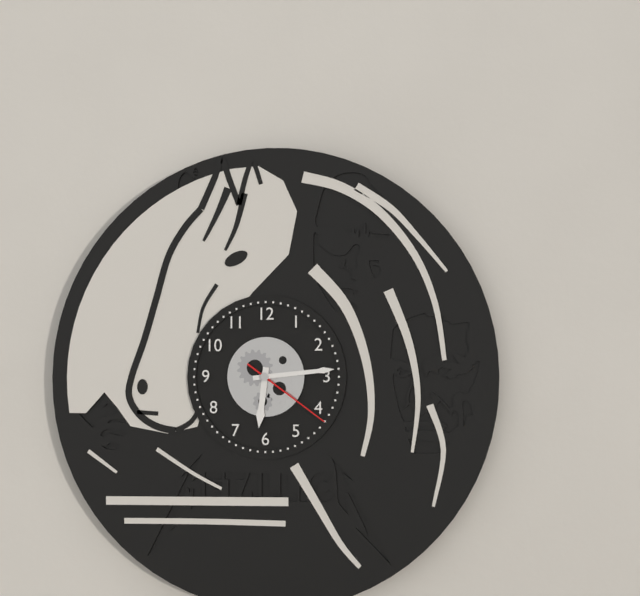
6:14:21
